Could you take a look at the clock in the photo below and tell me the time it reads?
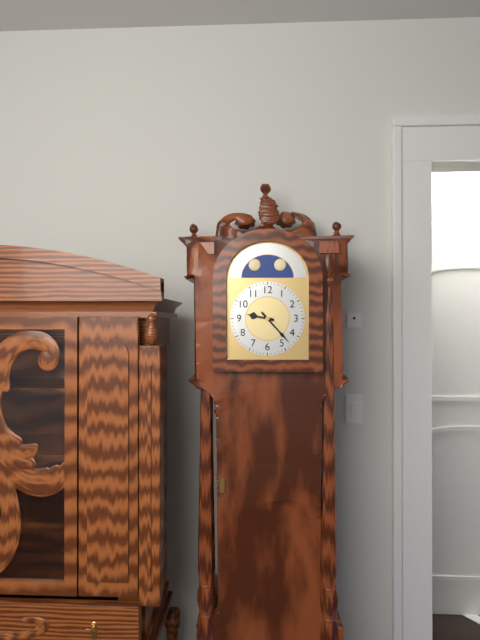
9:23
